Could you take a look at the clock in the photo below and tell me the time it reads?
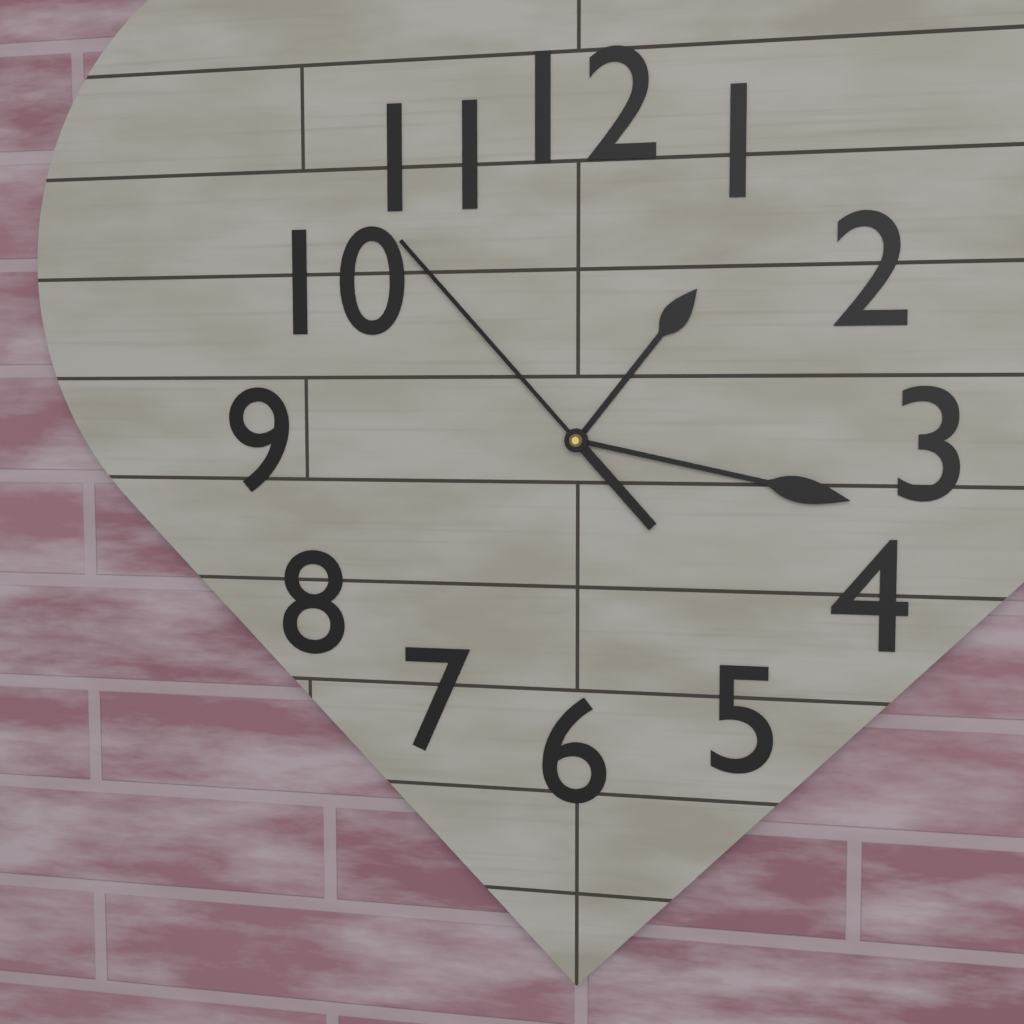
1:17:53
